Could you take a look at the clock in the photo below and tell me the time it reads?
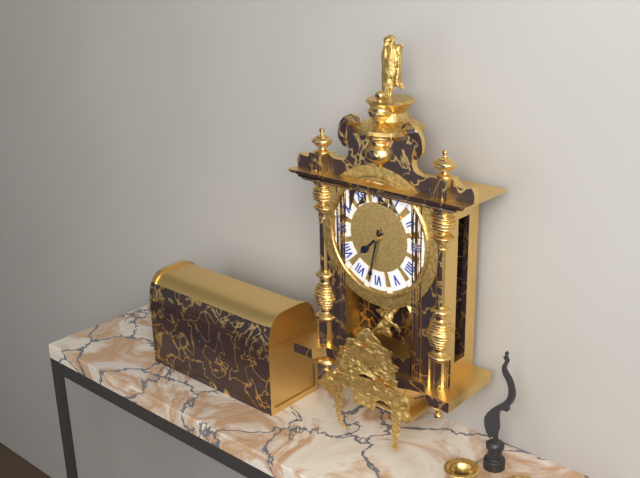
7:32
